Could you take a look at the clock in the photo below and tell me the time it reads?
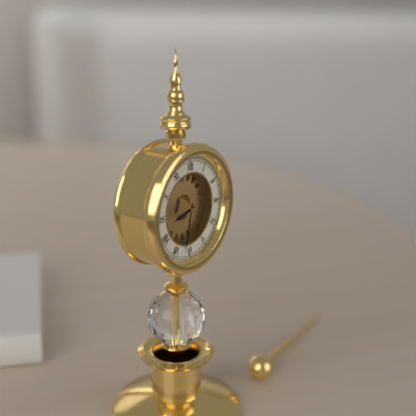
8:32
